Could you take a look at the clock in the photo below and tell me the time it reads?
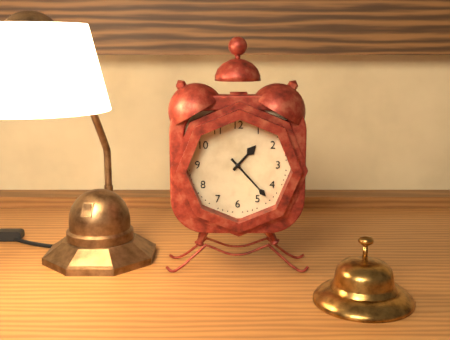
1:23
